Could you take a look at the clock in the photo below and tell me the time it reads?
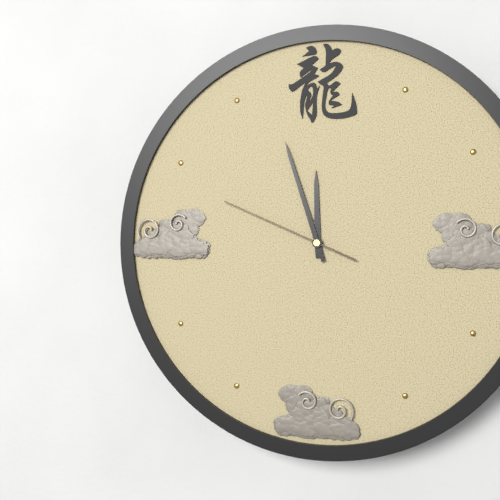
11:57:49
